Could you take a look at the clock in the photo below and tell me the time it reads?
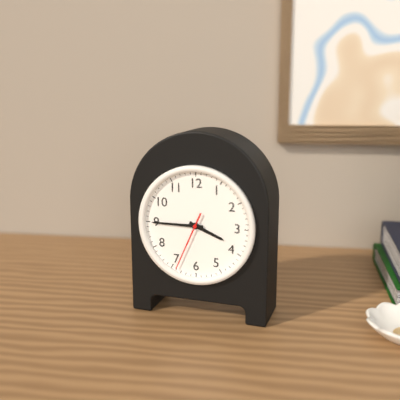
3:45:34
